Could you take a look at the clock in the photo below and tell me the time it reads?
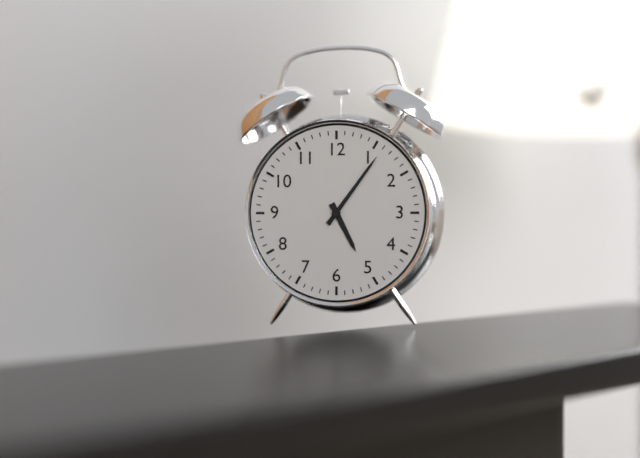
5:06
